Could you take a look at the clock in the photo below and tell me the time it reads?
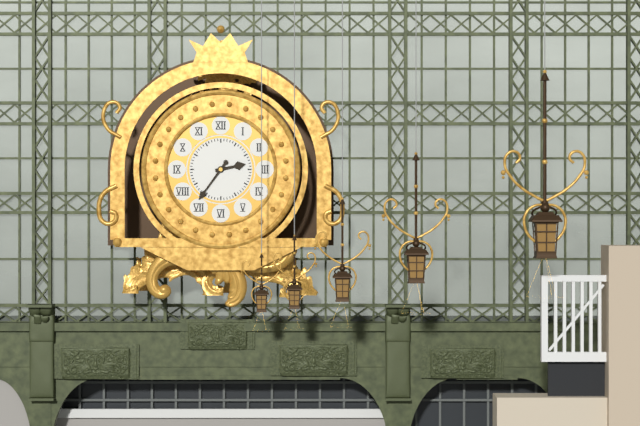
2:36
